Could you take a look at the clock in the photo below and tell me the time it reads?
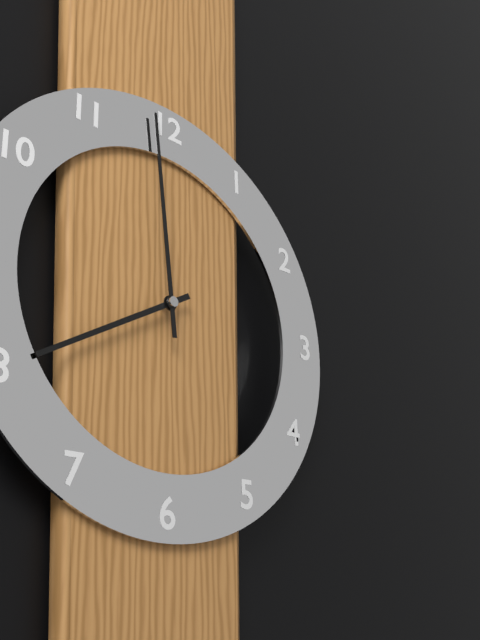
7:59
